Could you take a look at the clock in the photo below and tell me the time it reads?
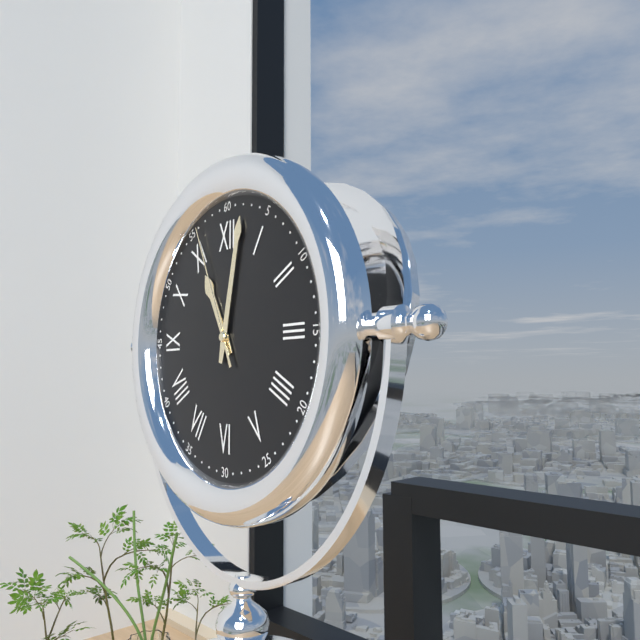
11:02:56
